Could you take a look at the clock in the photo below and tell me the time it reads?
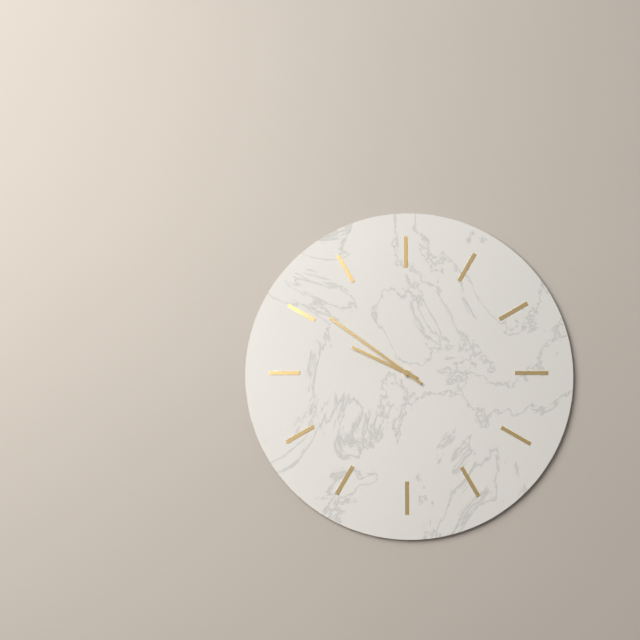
9:51
